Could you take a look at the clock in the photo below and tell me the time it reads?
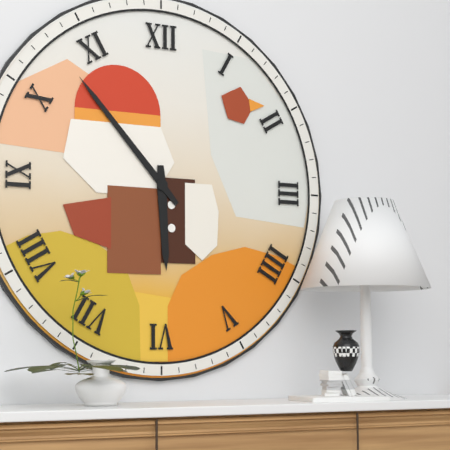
5:53
